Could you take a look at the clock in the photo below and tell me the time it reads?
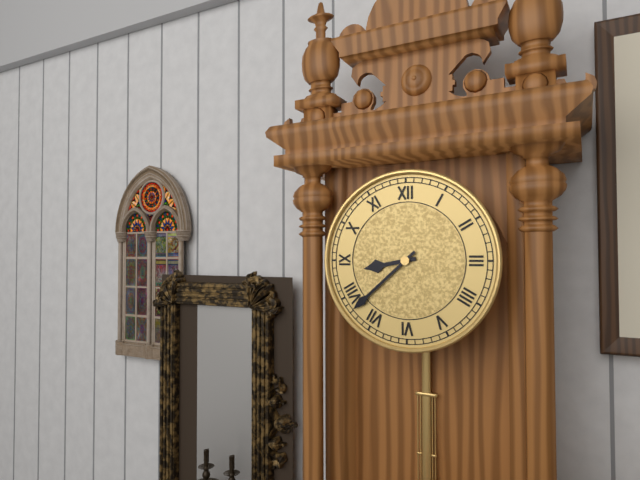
8:38
